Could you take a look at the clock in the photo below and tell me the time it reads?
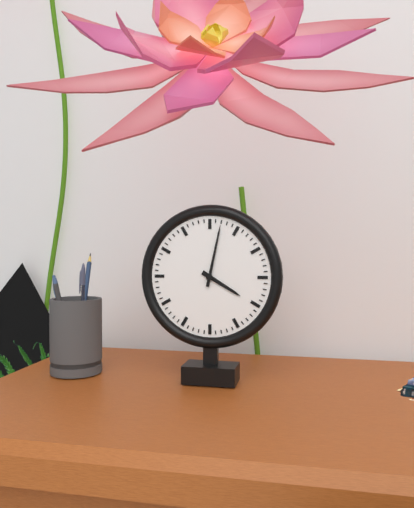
4:02
